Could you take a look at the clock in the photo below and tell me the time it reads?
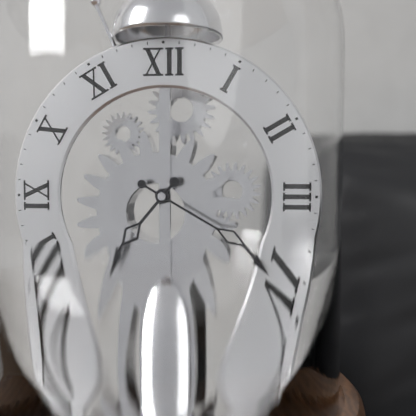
7:20
